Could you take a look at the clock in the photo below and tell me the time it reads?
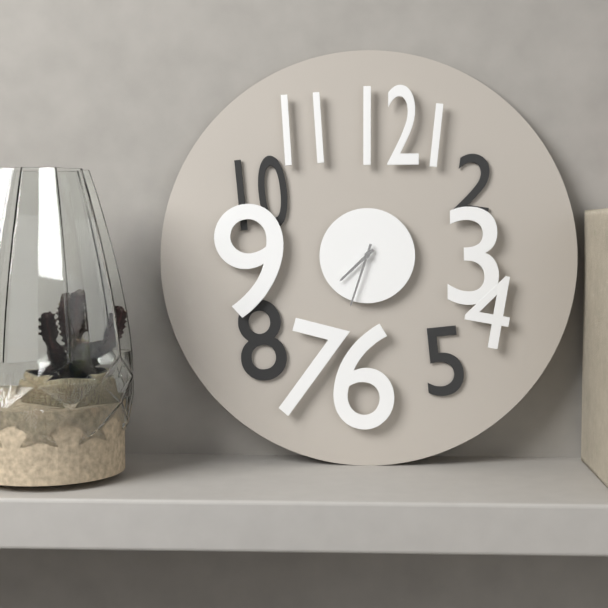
7:33
